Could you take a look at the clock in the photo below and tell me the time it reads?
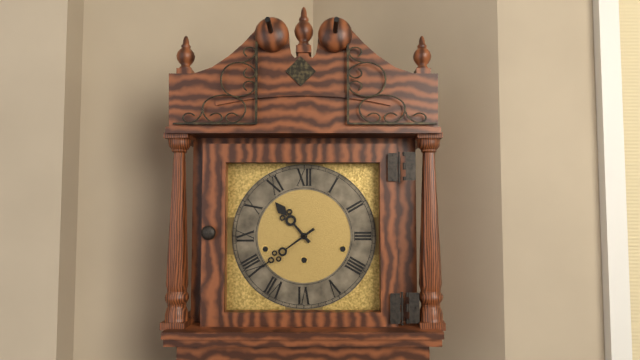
10:39
